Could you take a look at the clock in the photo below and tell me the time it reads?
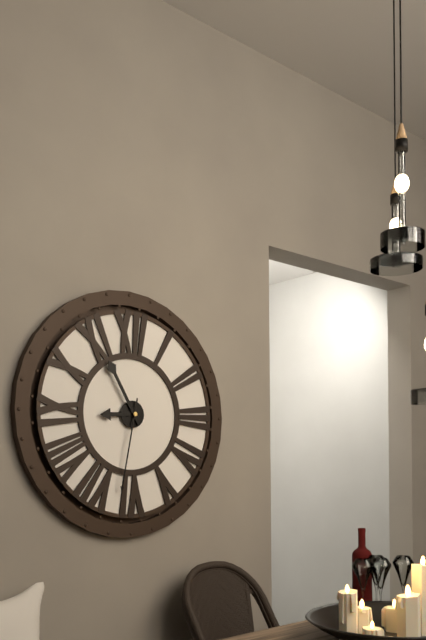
8:55:32
